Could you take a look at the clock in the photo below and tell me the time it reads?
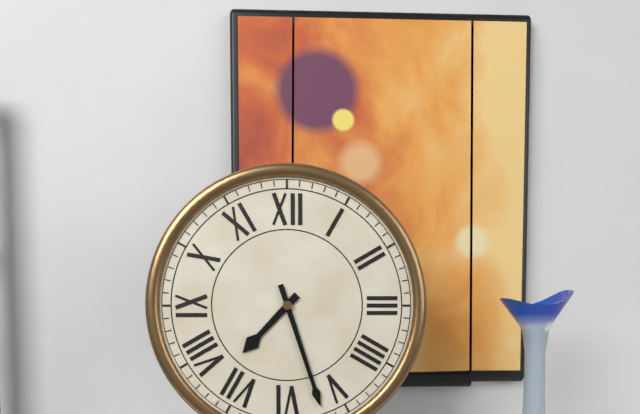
7:27
